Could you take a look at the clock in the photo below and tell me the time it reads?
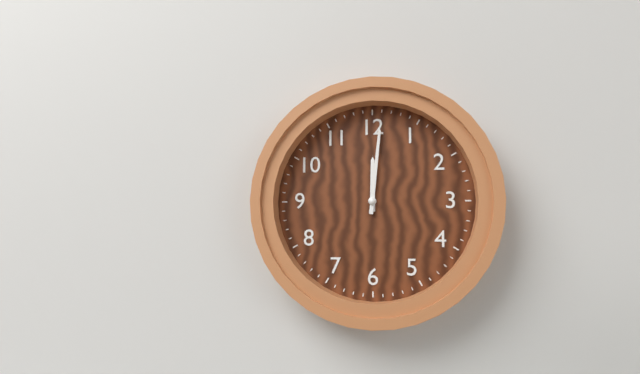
12:01
